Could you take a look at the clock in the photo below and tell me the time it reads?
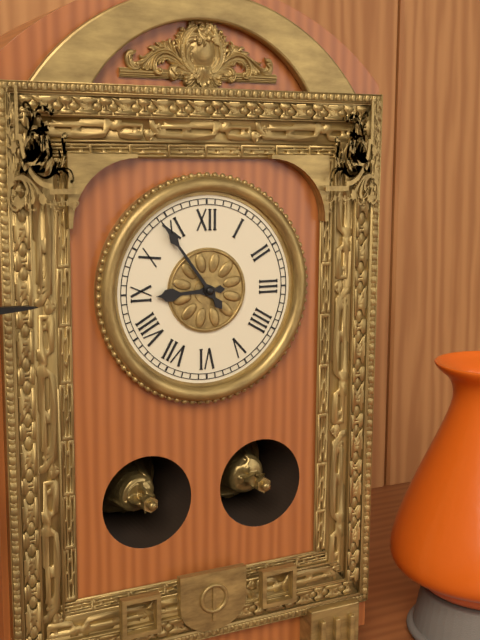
8:54
